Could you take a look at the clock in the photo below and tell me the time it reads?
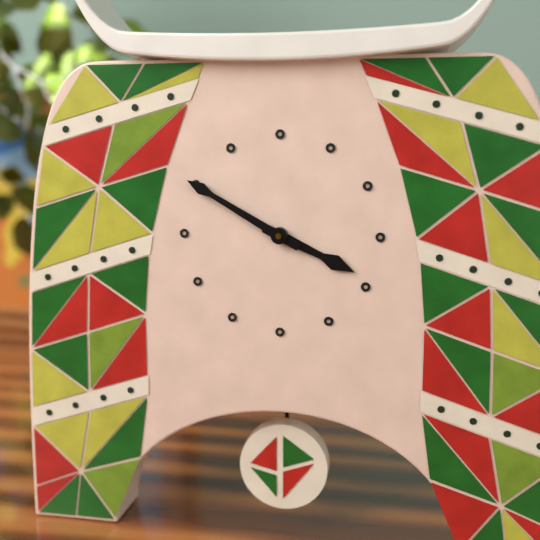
3:50
